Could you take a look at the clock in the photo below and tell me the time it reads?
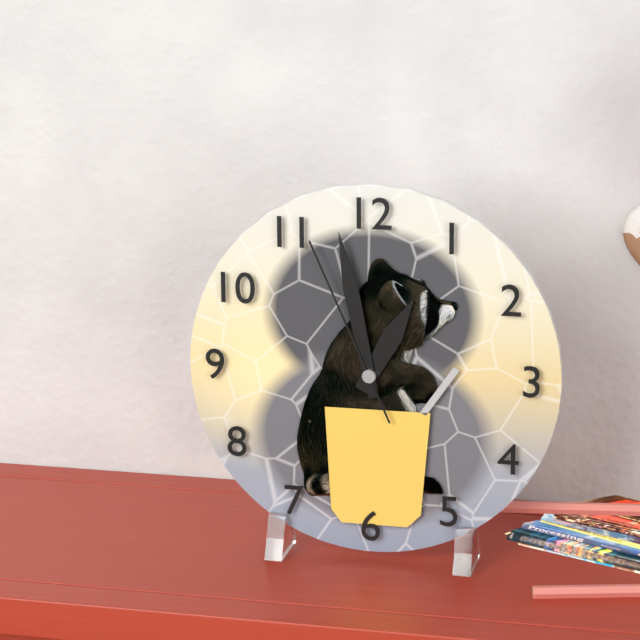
12:58:56
